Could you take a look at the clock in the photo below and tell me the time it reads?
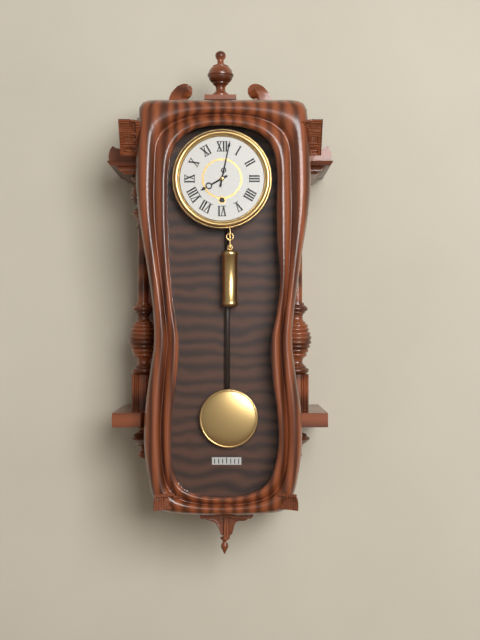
8:02
